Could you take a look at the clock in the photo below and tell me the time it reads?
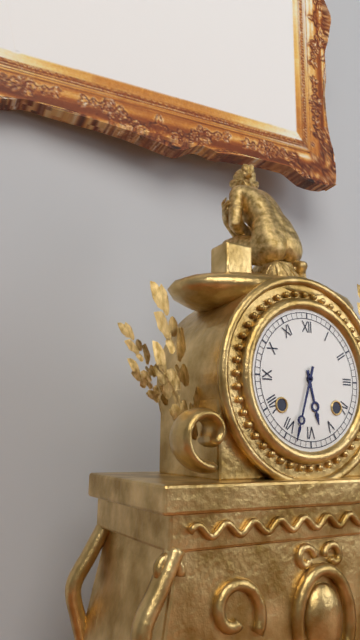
5:33
